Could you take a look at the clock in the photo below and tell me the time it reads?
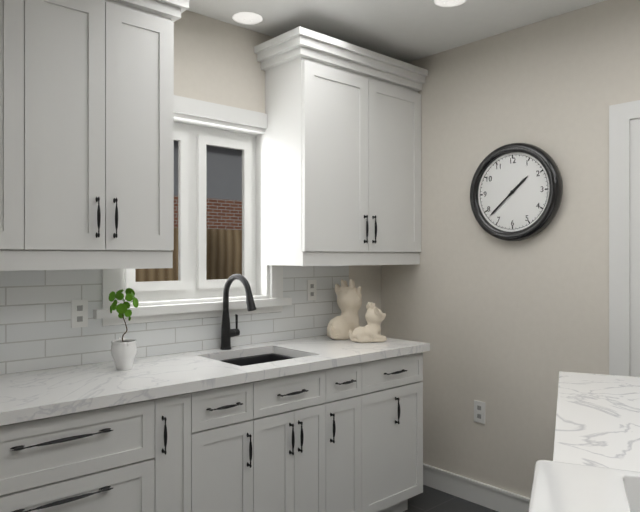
1:38
